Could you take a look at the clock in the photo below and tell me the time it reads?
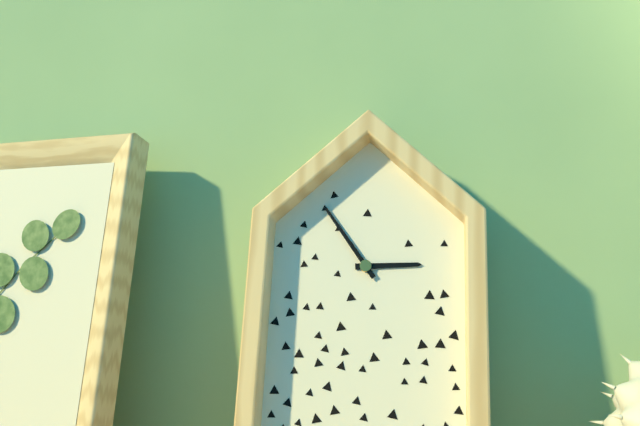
2:54
